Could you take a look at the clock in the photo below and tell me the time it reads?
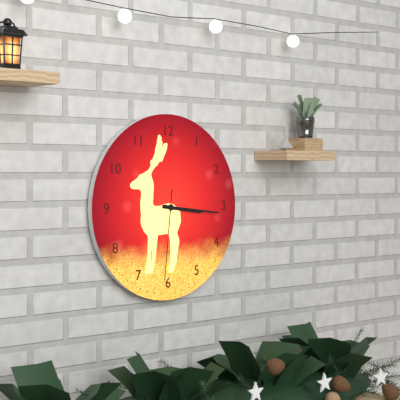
3:16:31
